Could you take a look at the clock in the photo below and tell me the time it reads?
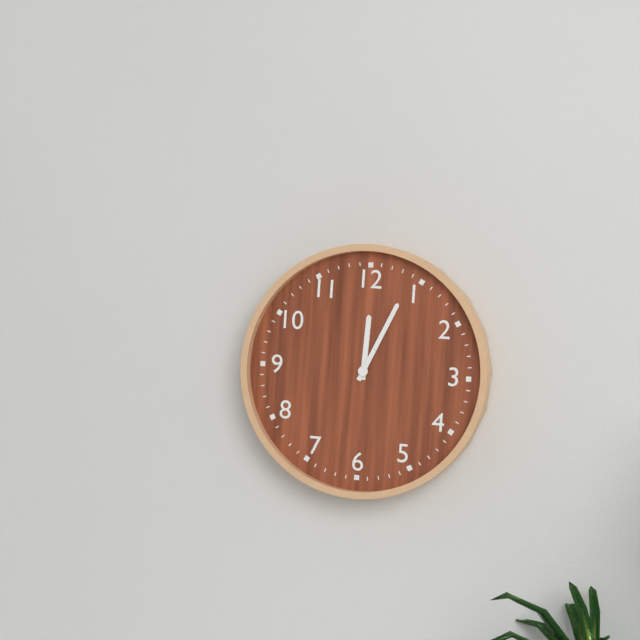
12:04
